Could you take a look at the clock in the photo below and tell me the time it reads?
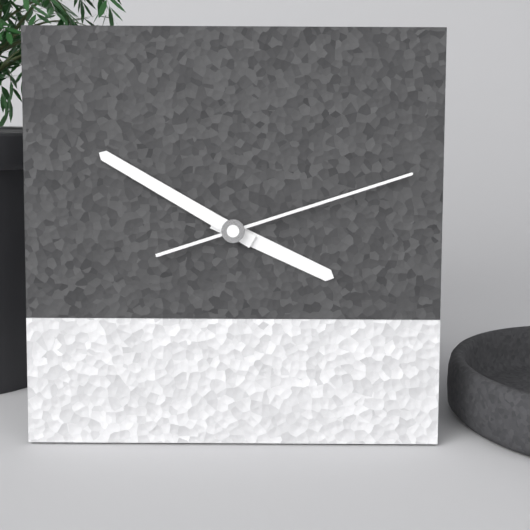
3:50:12
